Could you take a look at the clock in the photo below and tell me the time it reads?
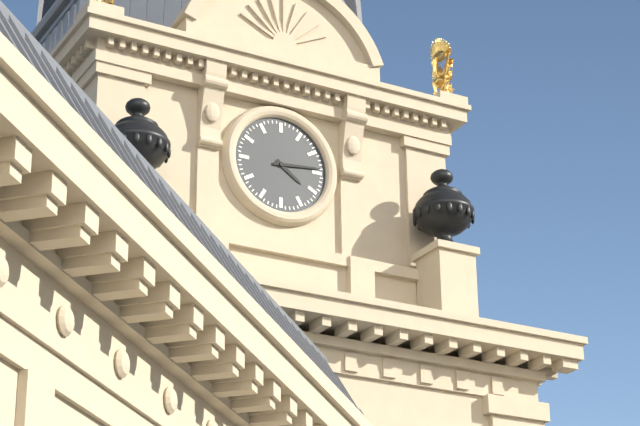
4:14
